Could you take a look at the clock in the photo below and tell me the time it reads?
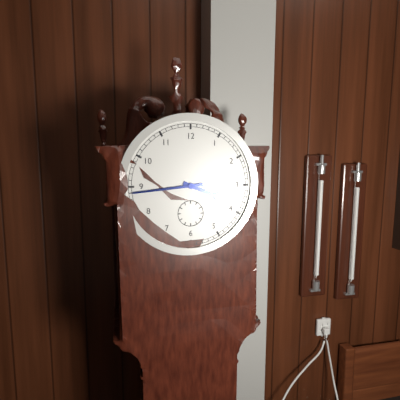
3:44
